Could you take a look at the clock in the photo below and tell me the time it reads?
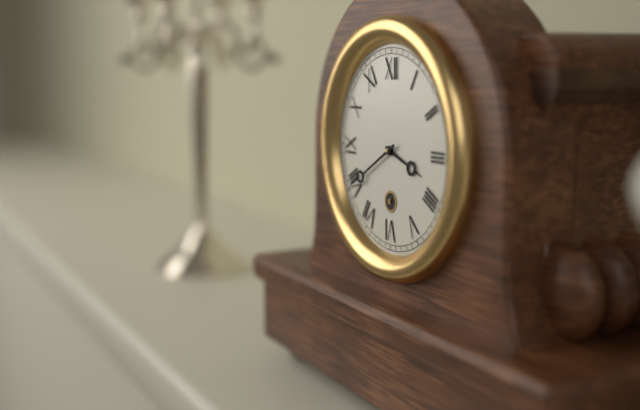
3:40
